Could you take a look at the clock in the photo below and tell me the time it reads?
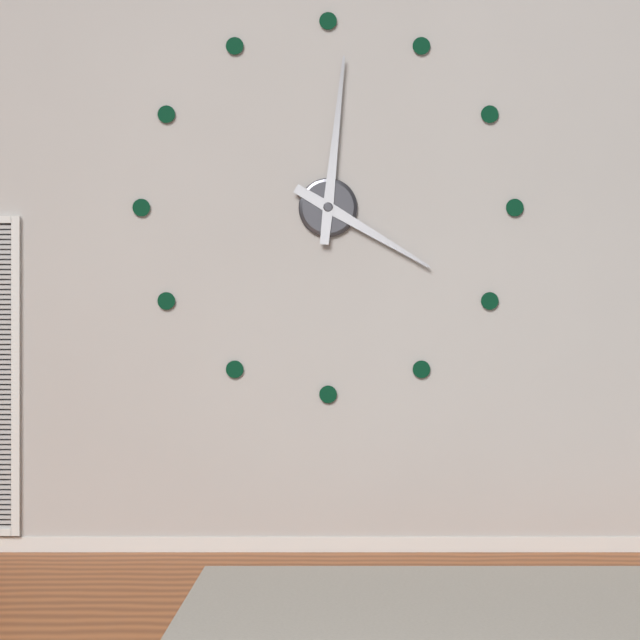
4:01
